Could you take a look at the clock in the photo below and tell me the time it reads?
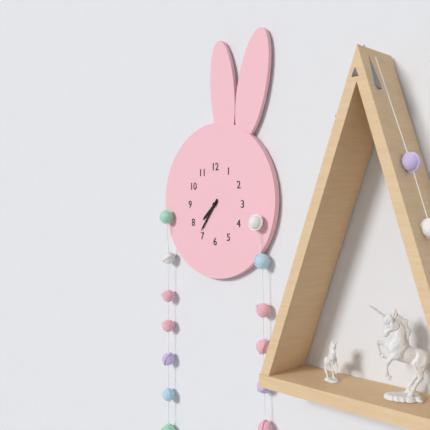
7:36
